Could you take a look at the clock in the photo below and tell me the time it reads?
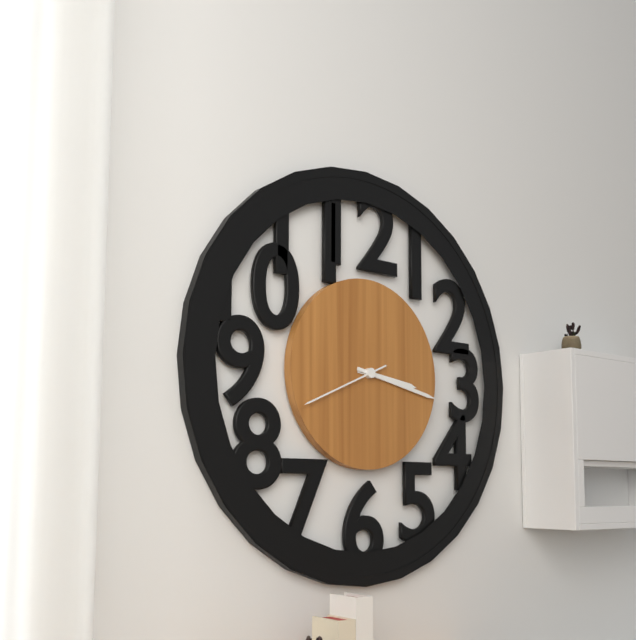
3:17:41
